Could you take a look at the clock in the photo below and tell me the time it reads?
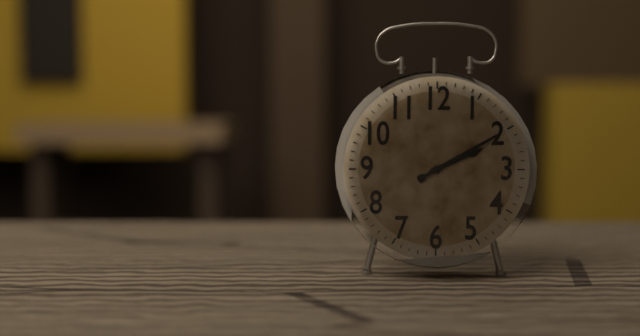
2:10
